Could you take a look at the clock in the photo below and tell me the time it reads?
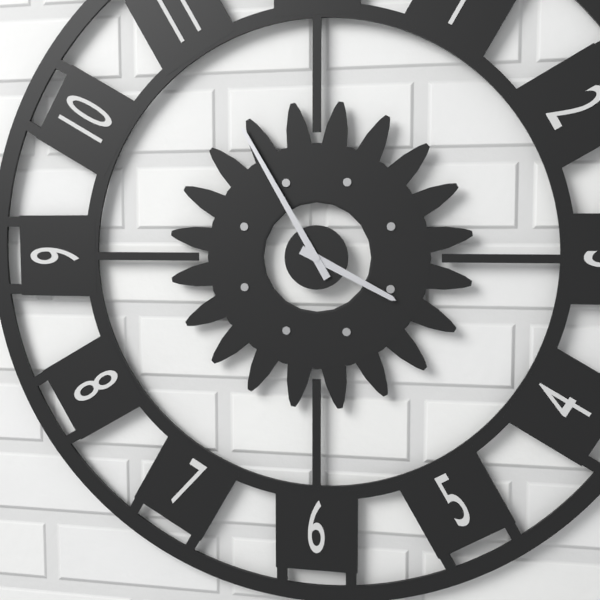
3:55
